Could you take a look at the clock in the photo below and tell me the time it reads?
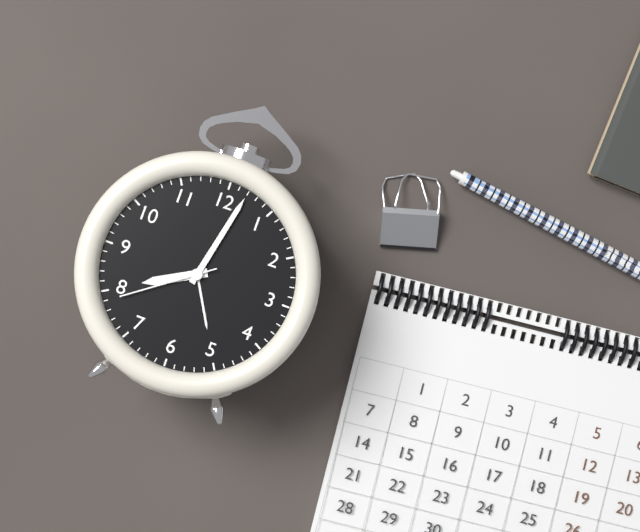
8:02:39
